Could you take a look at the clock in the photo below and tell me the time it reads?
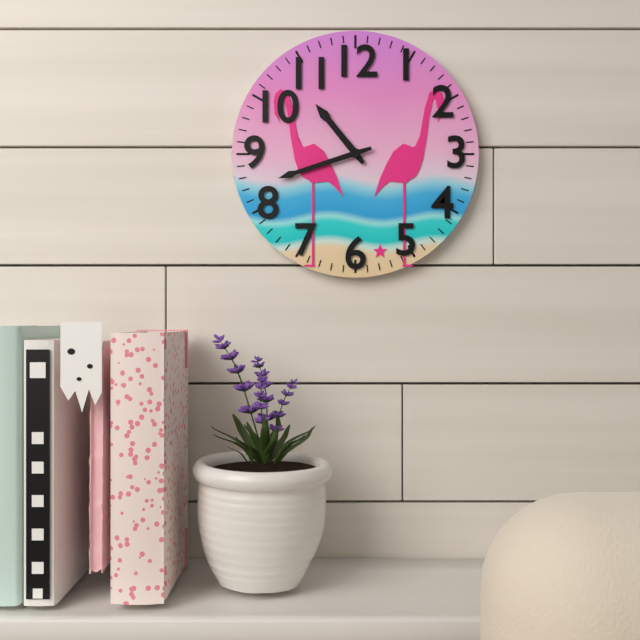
10:42
